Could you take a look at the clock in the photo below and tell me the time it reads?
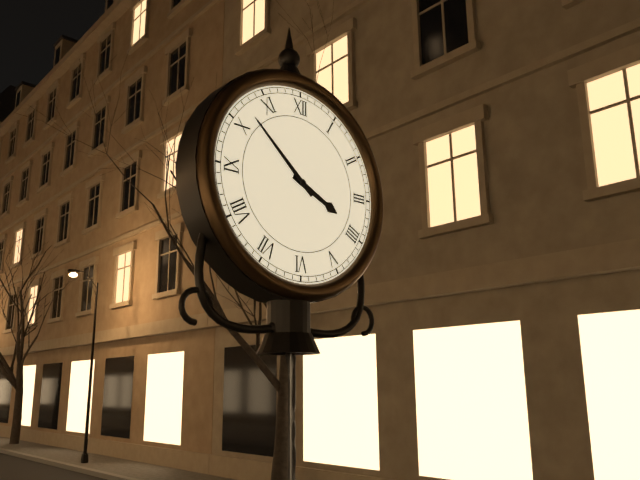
3:52
